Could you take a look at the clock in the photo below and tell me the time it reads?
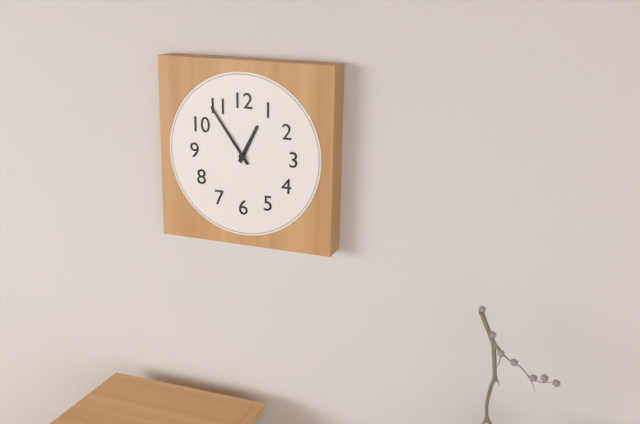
12:54
